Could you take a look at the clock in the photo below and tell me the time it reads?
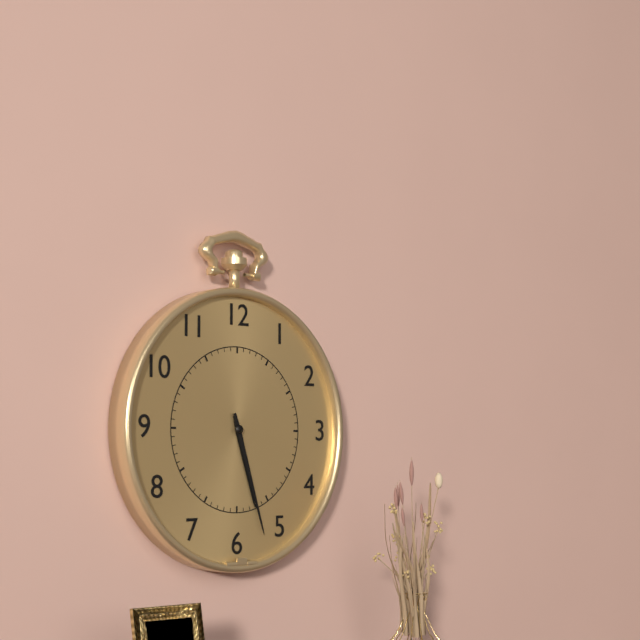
5:27
